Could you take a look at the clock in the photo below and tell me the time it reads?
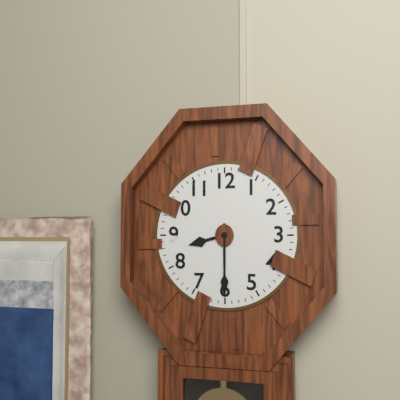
8:30
